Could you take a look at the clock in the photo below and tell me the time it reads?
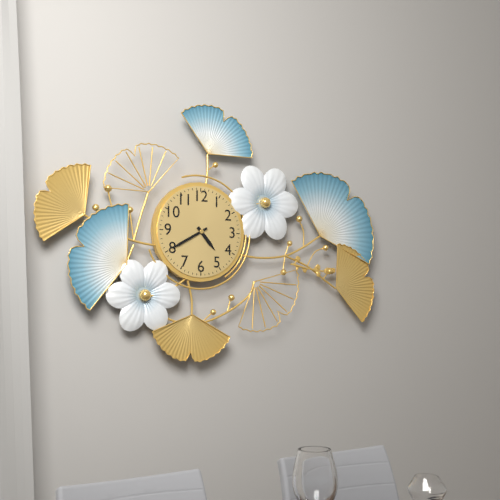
4:40
